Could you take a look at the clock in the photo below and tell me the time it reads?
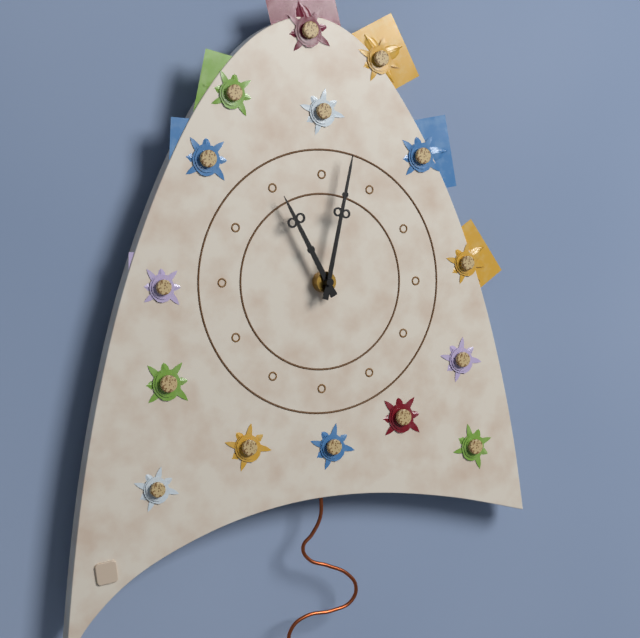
11:02
